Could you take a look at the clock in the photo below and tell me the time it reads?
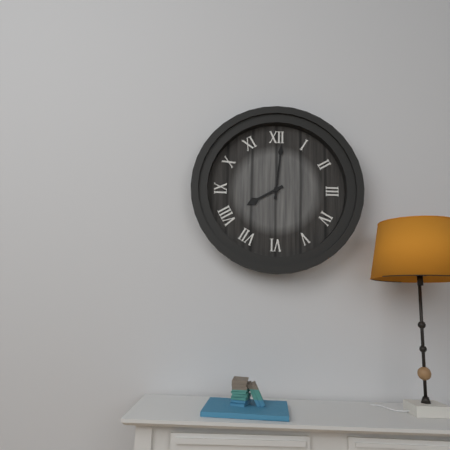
8:01
